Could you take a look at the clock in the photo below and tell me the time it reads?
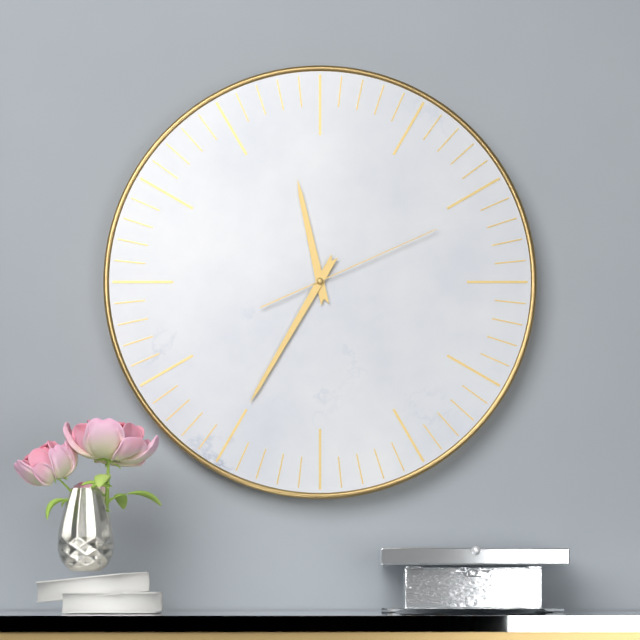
11:35:11
